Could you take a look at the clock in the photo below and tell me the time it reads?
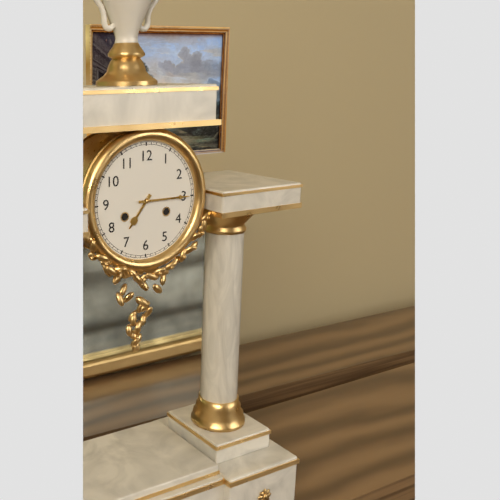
7:15
